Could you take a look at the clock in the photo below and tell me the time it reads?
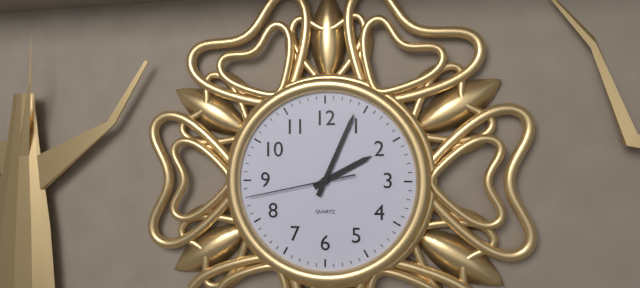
2:04:43
